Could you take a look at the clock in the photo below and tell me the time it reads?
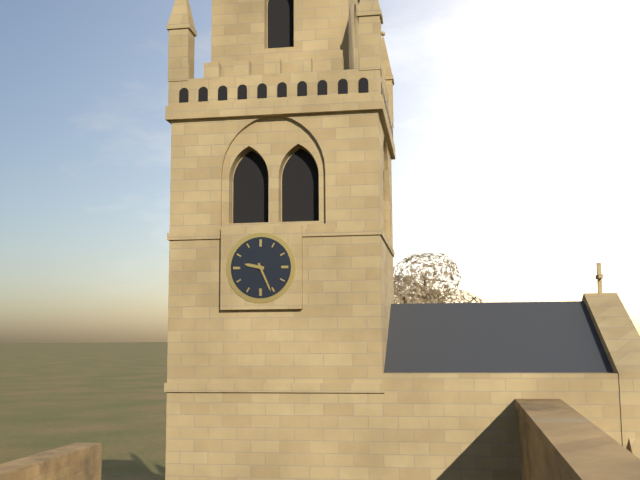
9:26
